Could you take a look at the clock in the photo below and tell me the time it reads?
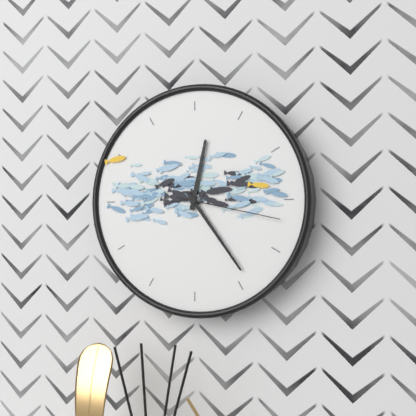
12:24:17
